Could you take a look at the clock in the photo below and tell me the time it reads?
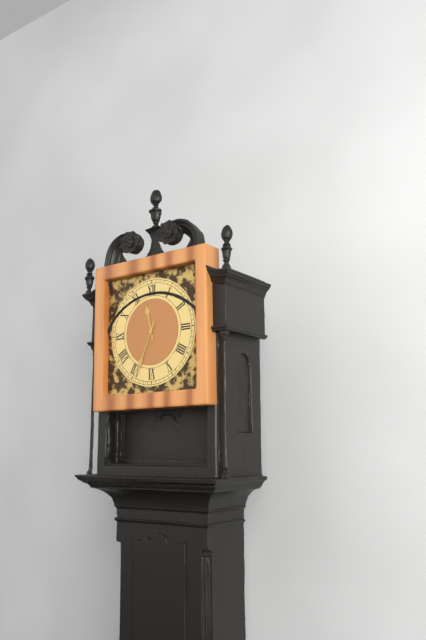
11:34
